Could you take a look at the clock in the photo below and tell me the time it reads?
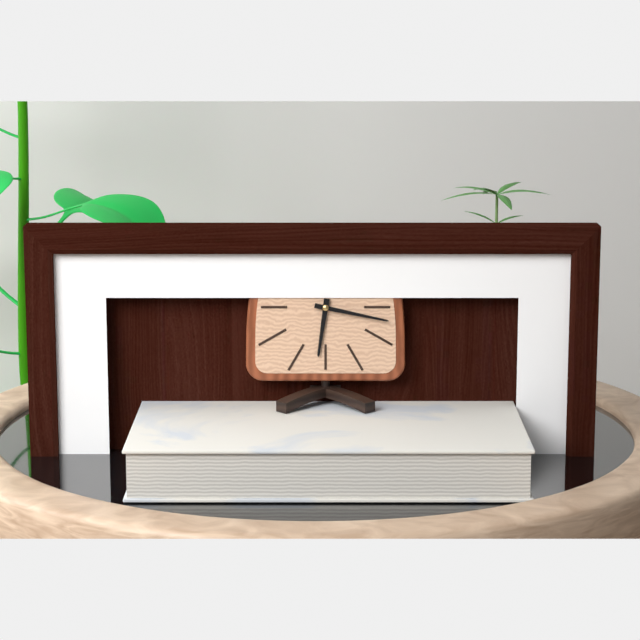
6:17
